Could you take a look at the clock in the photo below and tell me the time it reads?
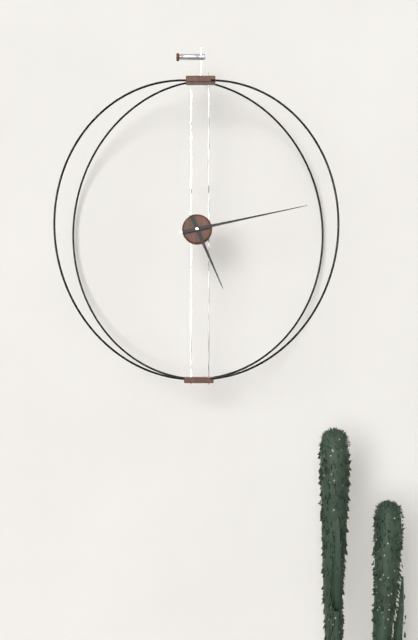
5:13
